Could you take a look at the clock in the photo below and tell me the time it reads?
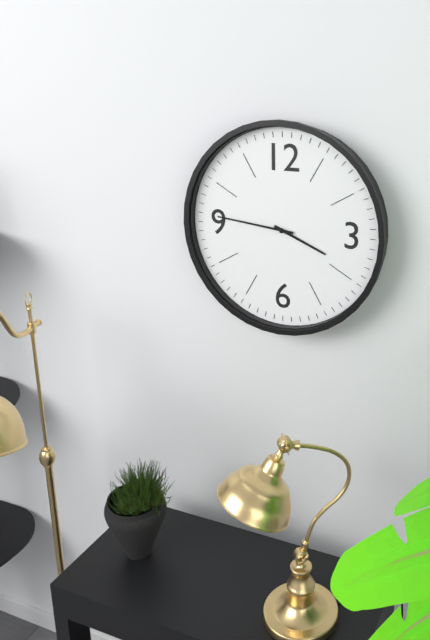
3:46
